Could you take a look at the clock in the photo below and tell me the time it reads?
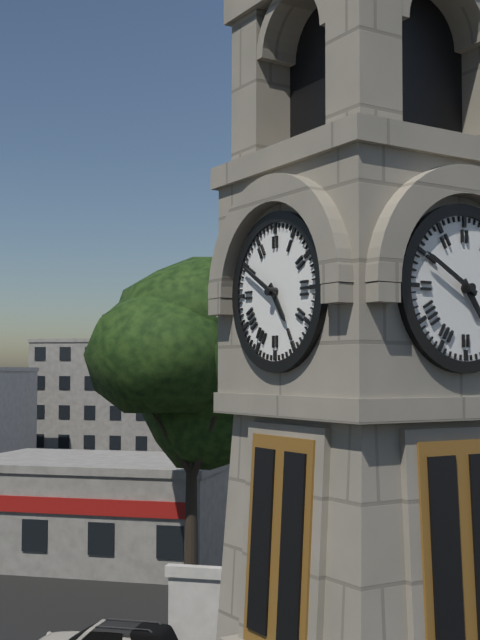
4:50
